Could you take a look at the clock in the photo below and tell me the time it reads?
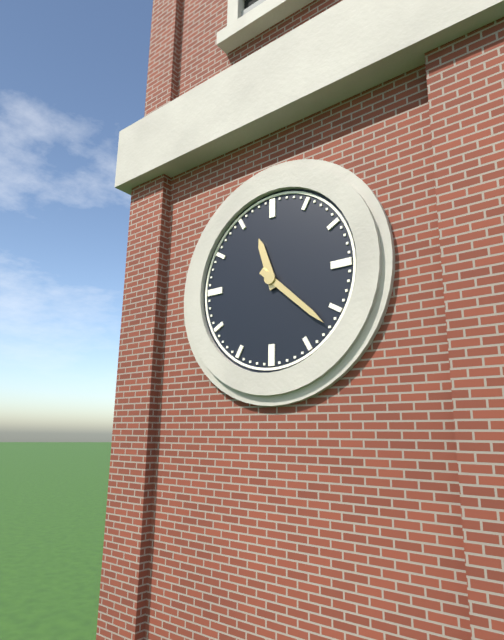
11:22
